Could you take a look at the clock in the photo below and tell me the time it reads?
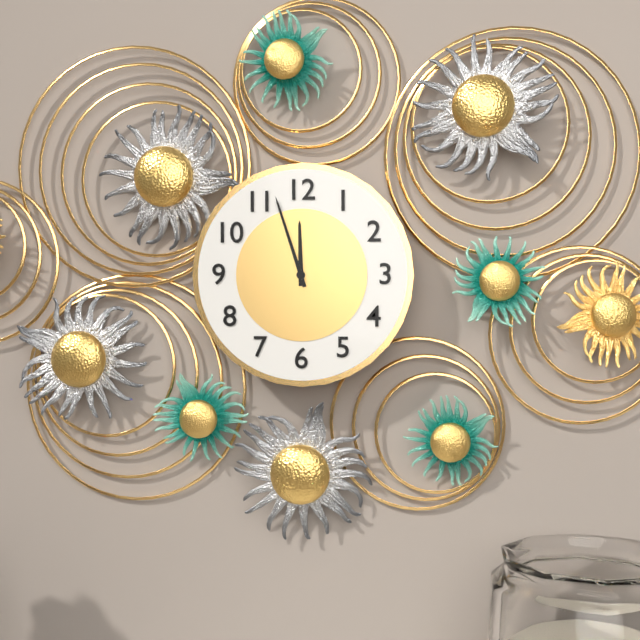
11:57
